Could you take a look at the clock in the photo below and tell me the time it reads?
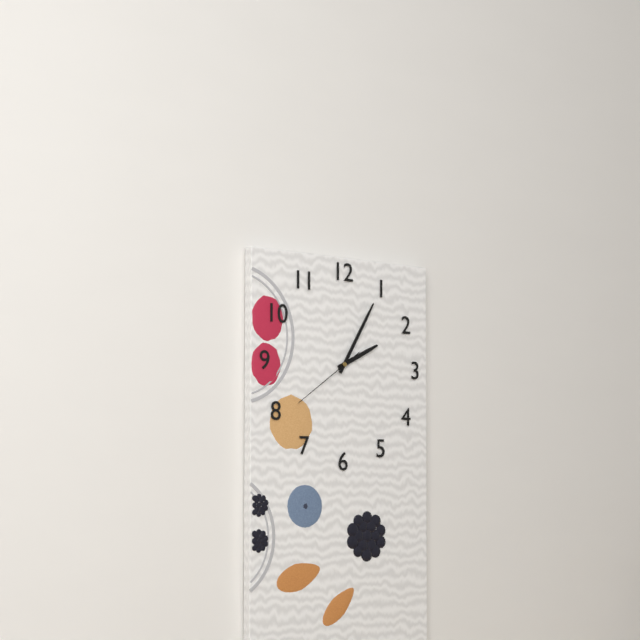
2:05:39
